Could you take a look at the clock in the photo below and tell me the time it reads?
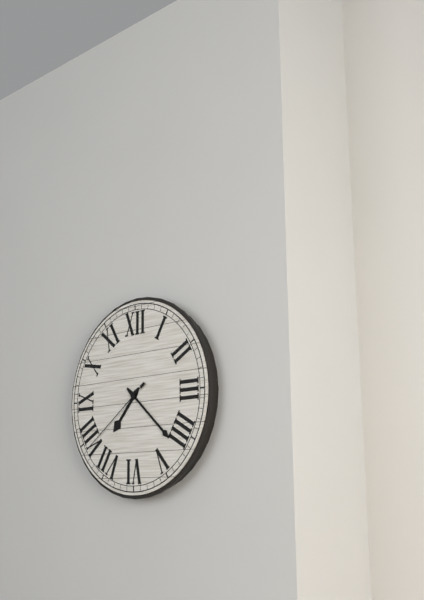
7:22:39
